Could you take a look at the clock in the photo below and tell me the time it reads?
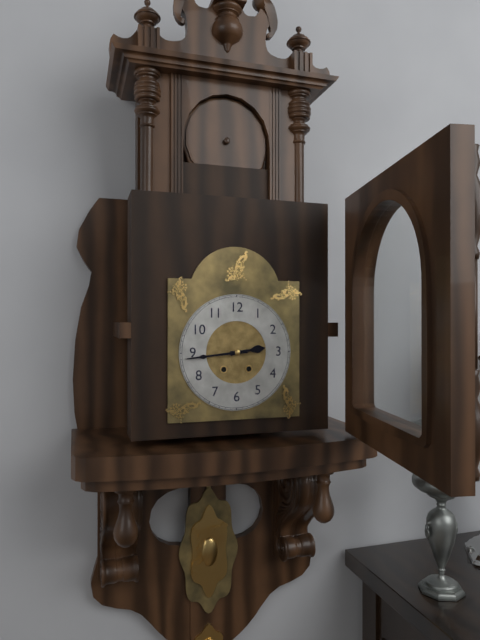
2:44
